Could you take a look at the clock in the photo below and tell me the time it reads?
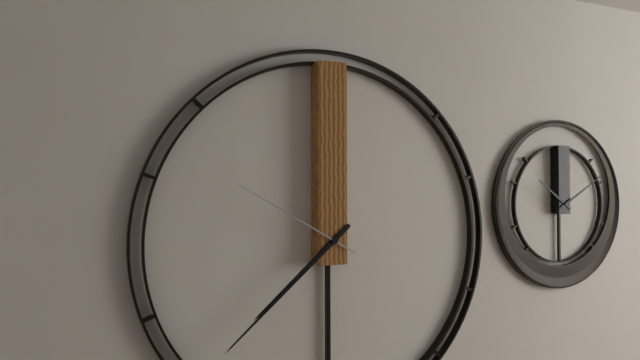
7:38:50
